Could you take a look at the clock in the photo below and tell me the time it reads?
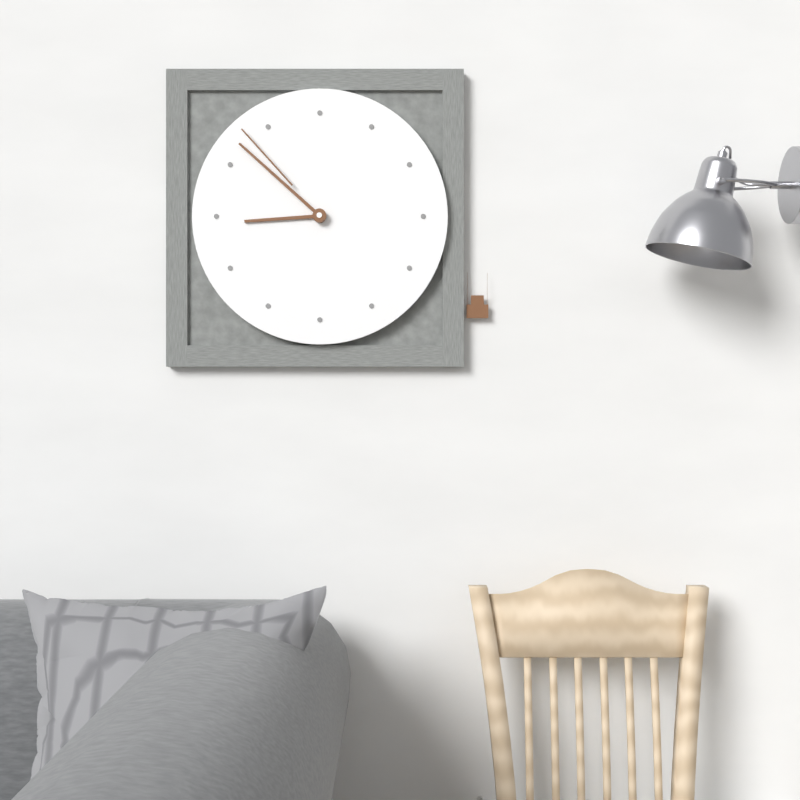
8:52:53
